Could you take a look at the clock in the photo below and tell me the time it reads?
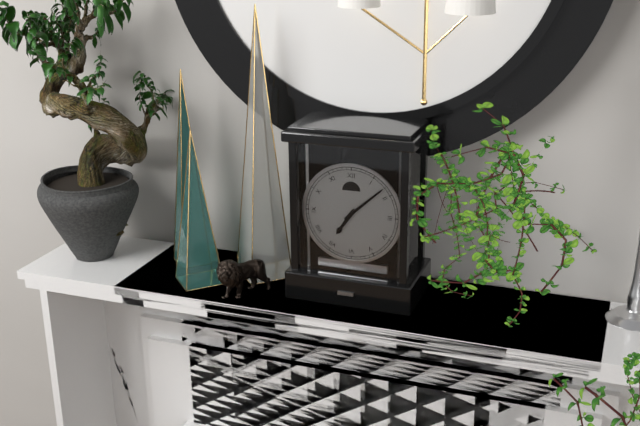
7:08
